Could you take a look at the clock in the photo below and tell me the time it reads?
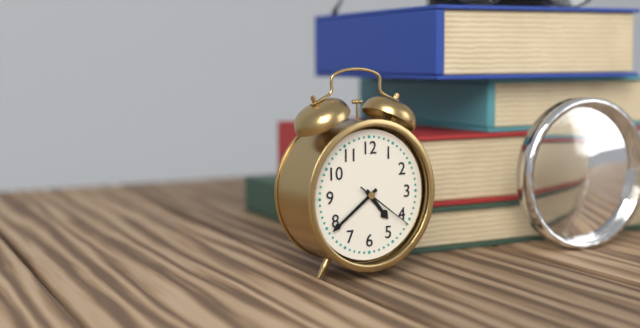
4:39:21
